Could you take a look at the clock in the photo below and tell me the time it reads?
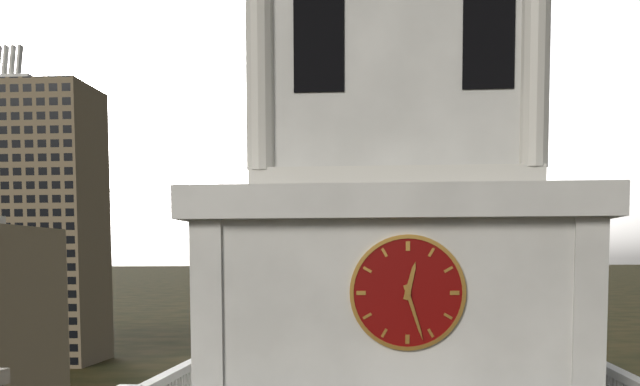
12:27
